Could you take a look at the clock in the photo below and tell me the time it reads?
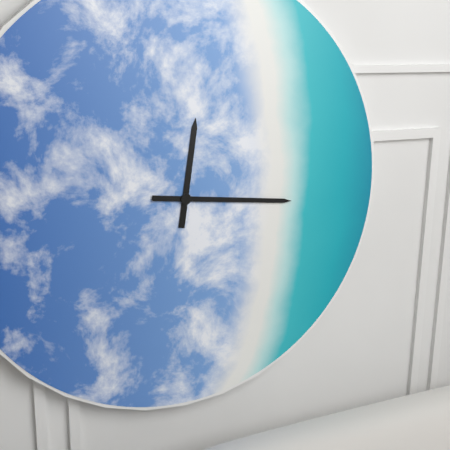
12:16
